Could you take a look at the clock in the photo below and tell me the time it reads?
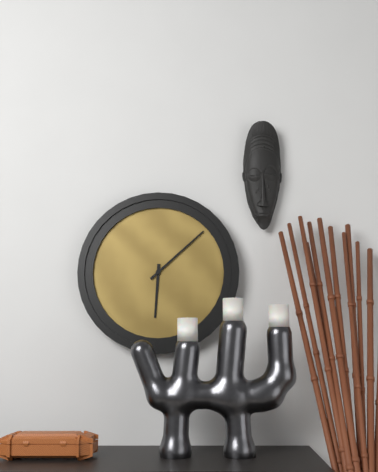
6:08
